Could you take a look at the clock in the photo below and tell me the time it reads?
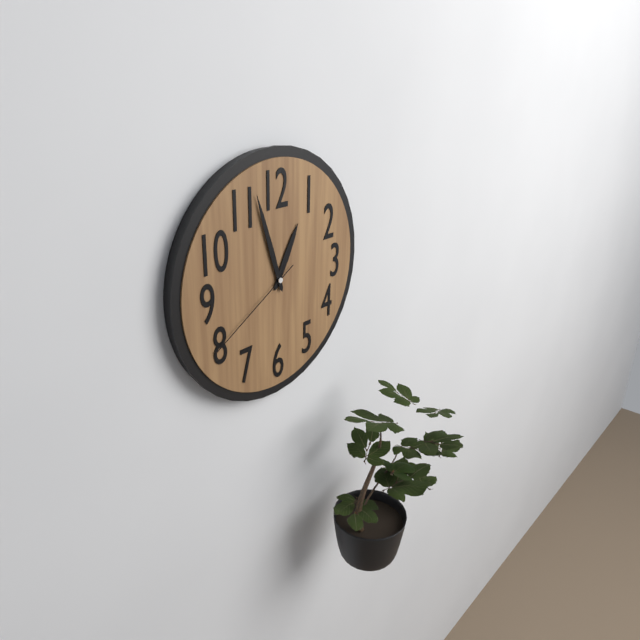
12:57:40
